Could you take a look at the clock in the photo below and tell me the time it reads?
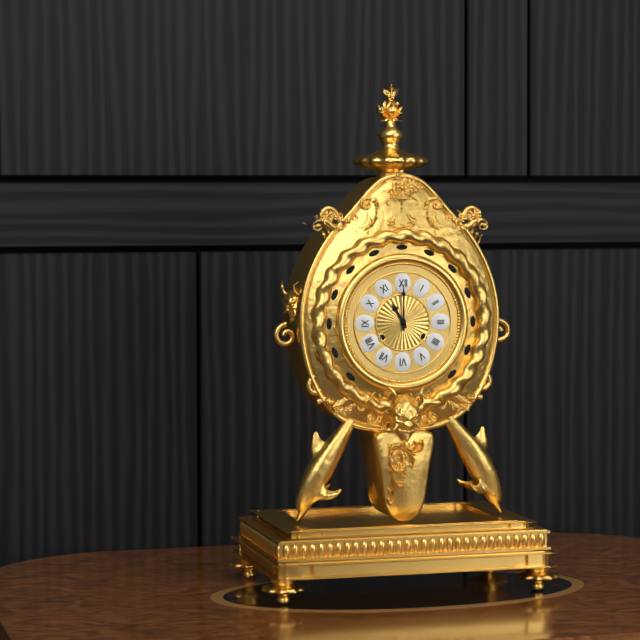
11:00
